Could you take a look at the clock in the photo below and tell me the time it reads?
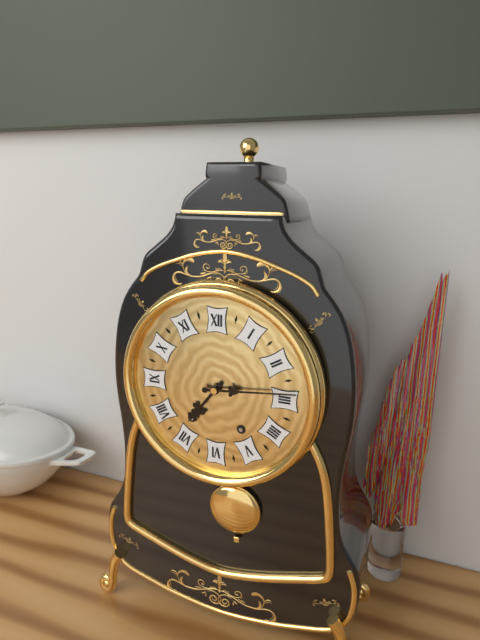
7:14
